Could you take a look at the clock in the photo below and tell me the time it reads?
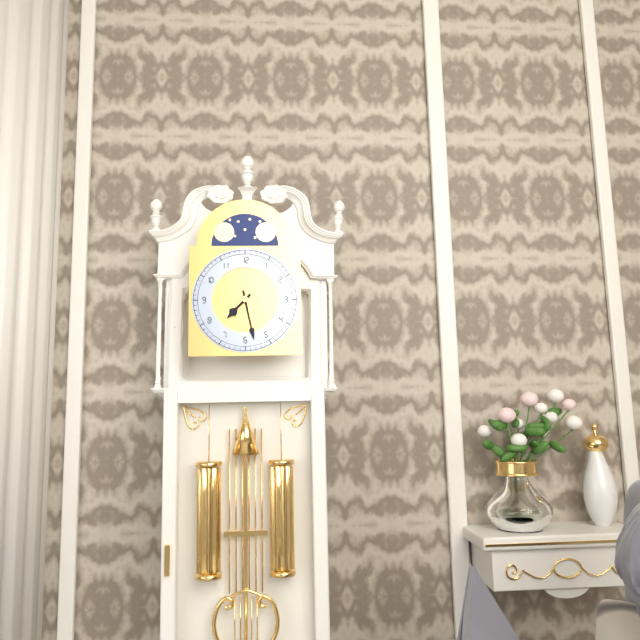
7:28
